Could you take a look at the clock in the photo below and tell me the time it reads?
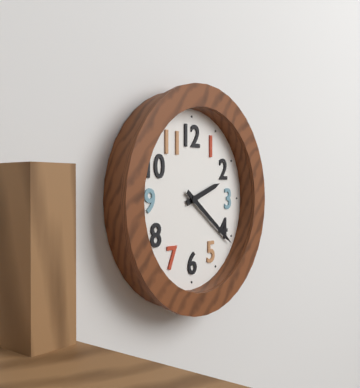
2:21
